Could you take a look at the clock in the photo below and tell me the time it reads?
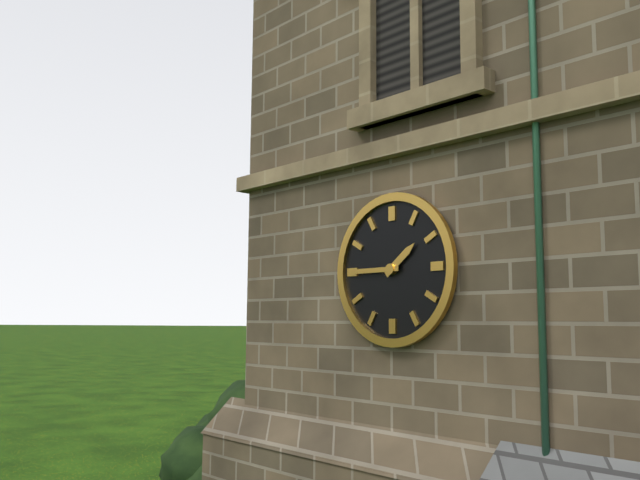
1:45
